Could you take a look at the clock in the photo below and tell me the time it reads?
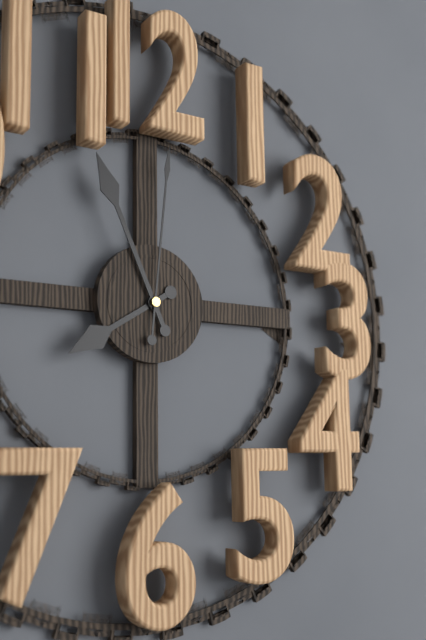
7:56:01
